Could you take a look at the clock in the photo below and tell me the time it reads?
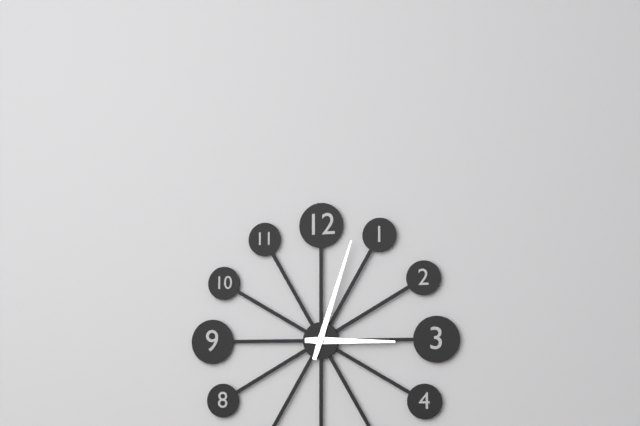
3:03
